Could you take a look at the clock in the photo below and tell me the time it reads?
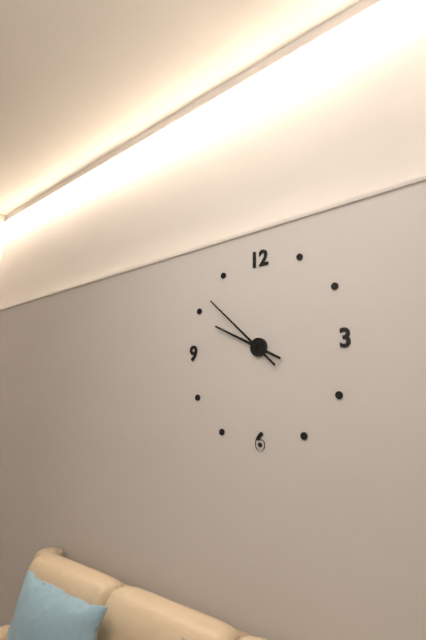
9:52
